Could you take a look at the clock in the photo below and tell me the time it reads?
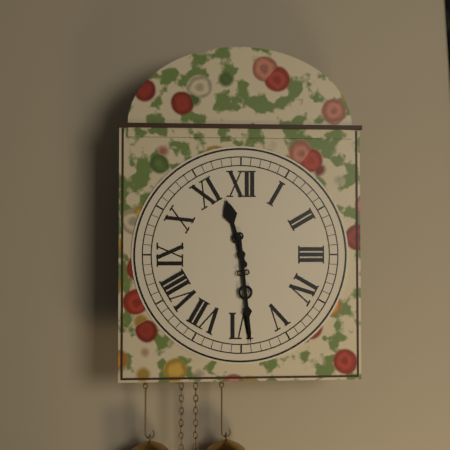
11:29
